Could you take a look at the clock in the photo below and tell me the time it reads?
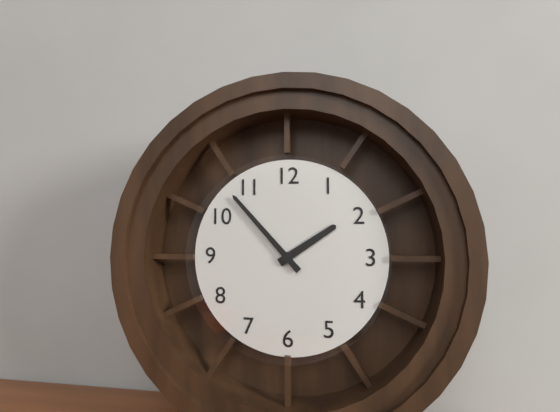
1:53
